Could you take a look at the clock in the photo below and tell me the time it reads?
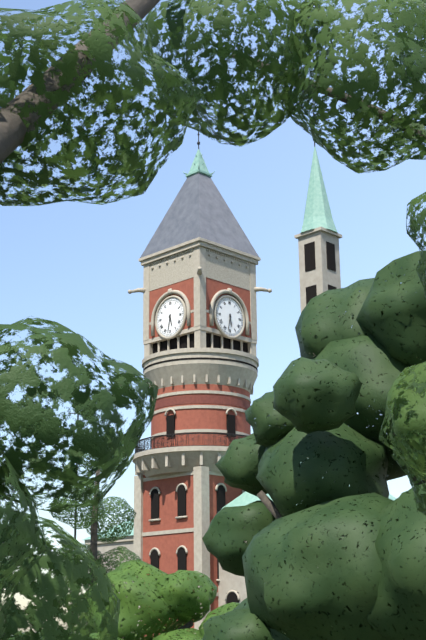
5:32
